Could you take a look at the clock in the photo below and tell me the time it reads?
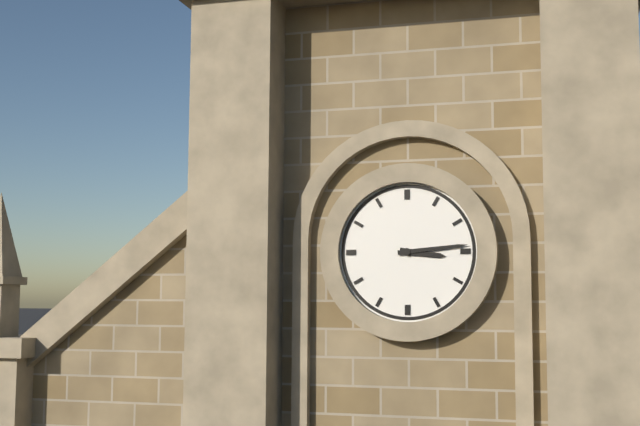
3:14
